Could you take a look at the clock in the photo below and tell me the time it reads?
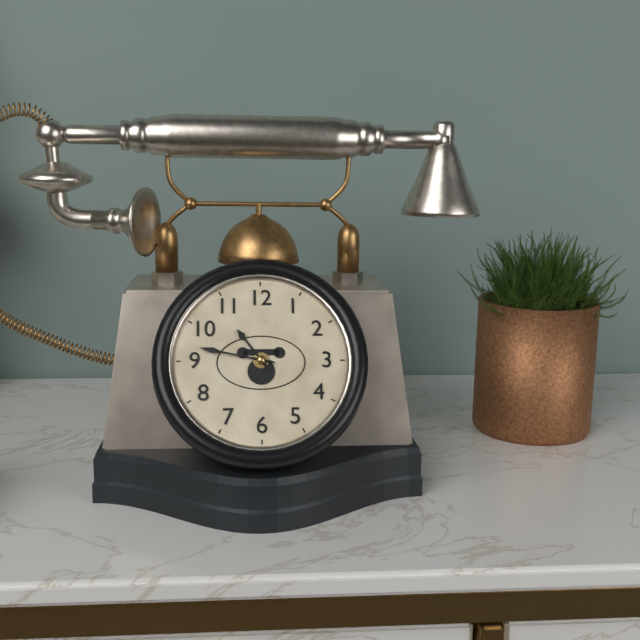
10:47
